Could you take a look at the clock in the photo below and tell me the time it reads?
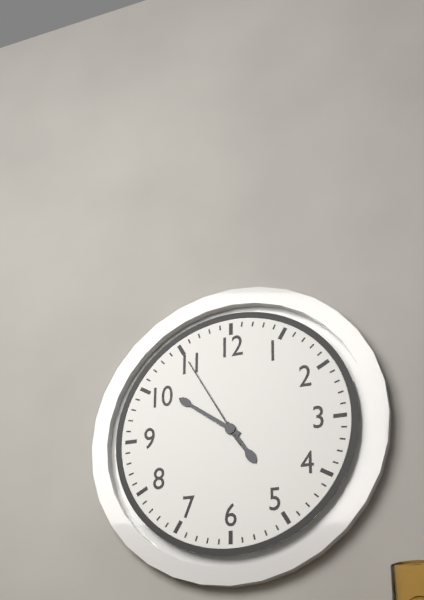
4:51:55
